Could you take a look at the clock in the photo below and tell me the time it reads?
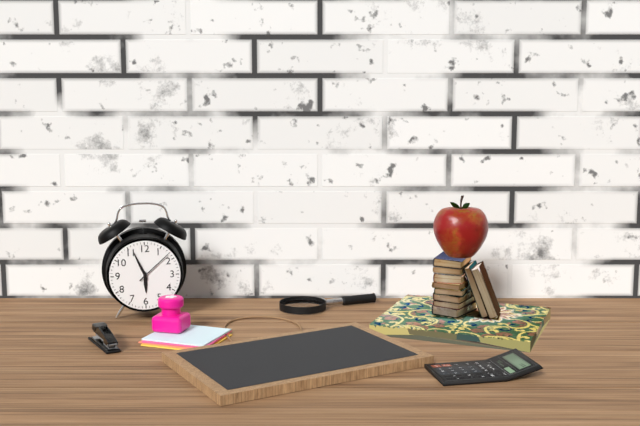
5:56
